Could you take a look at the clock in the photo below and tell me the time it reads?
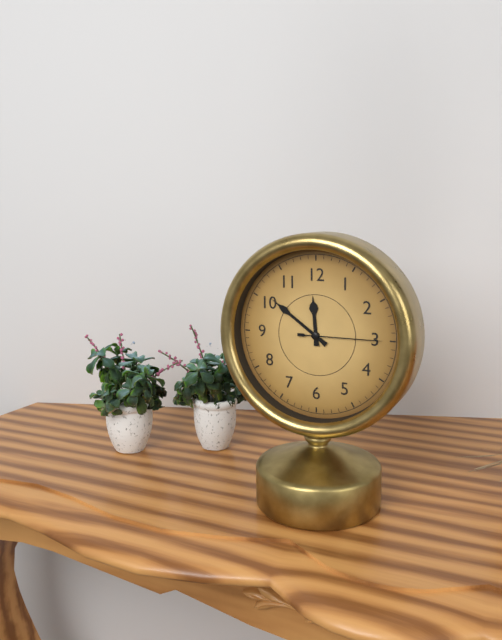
11:51:15
